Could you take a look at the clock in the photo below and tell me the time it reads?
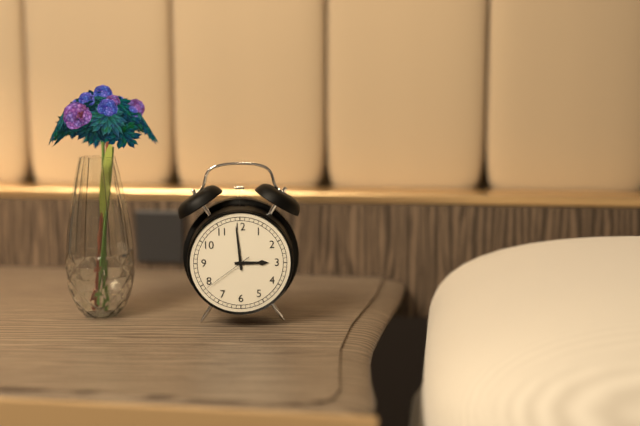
2:59:39
